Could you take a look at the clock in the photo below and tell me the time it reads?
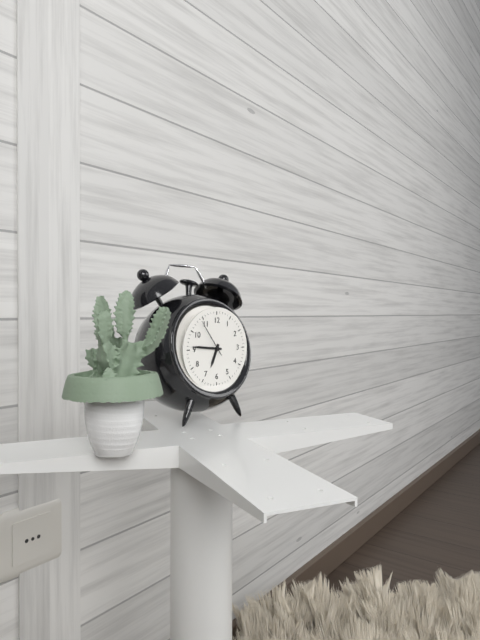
6:46
